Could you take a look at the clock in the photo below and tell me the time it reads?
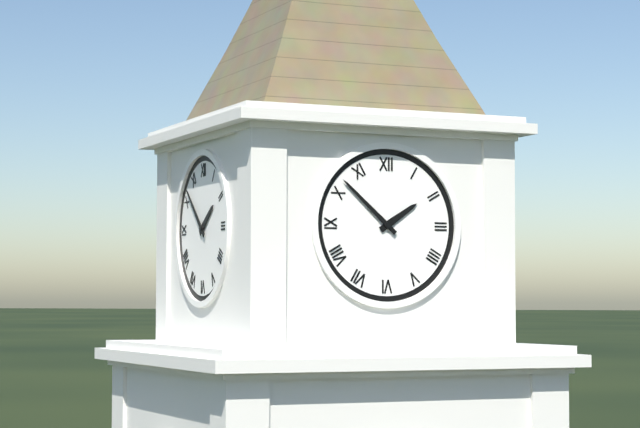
1:52
